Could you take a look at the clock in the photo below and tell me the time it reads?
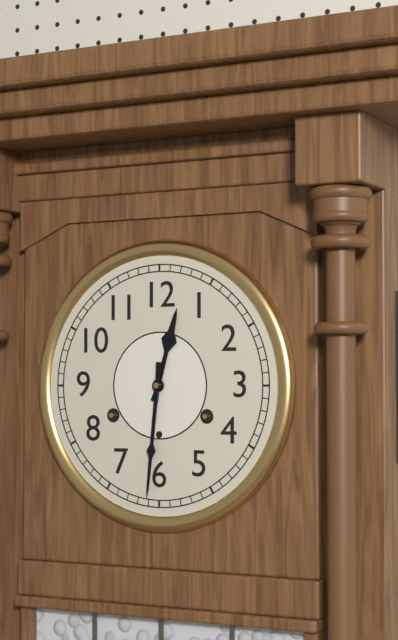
12:31
